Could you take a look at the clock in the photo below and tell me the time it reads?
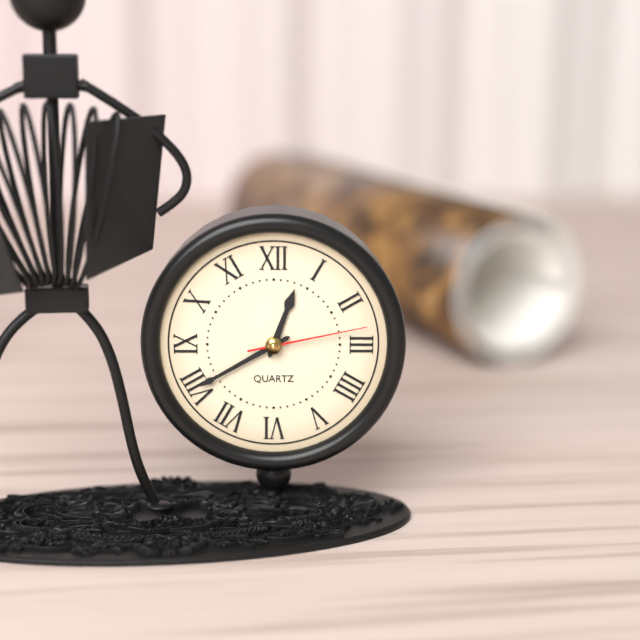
12:40:13
